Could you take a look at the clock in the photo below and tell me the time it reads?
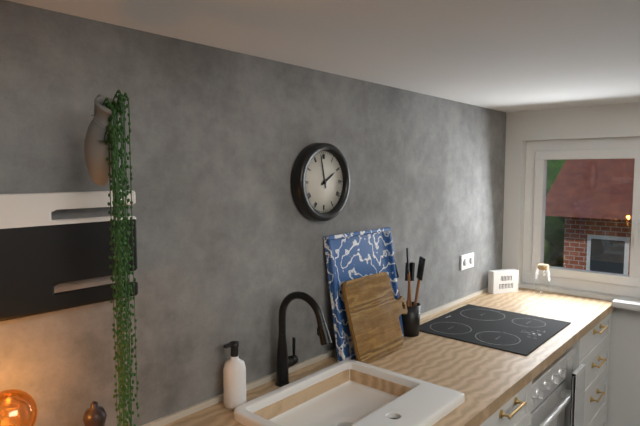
1:58
